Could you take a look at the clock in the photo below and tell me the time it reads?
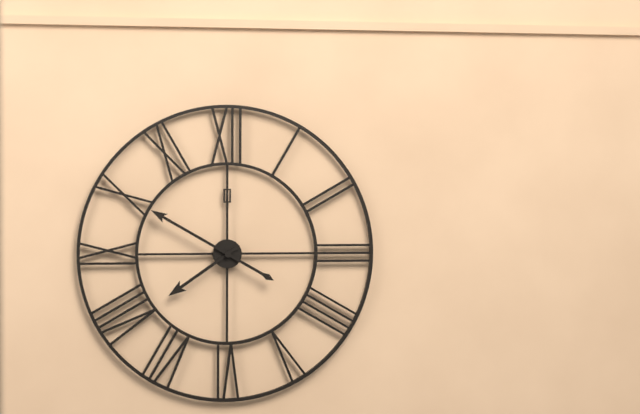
7:50
